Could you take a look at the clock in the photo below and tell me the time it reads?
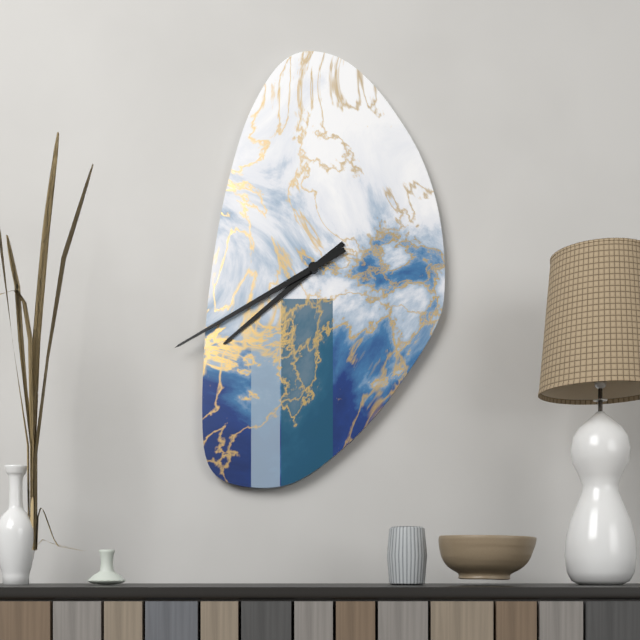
7:40
